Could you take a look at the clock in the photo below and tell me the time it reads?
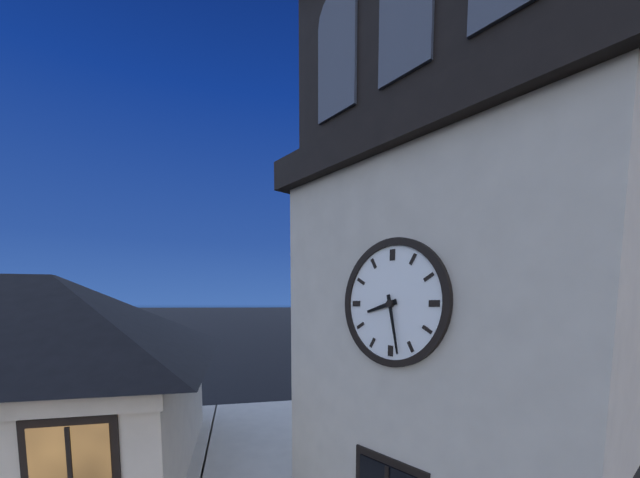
8:28
